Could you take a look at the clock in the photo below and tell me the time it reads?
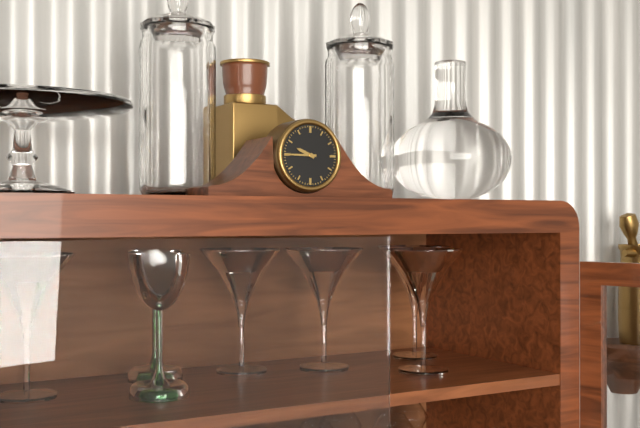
9:45
